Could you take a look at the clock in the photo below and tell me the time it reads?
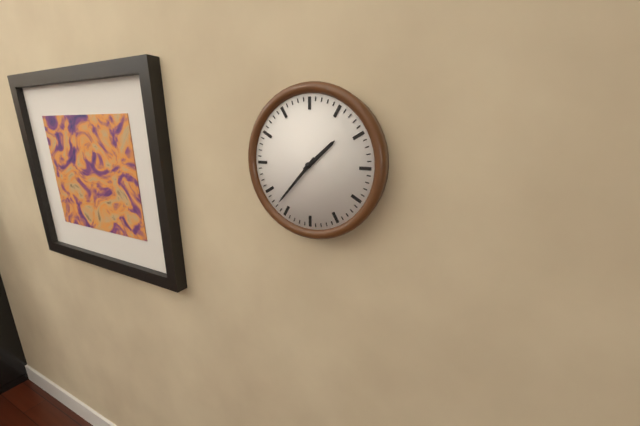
1:37
